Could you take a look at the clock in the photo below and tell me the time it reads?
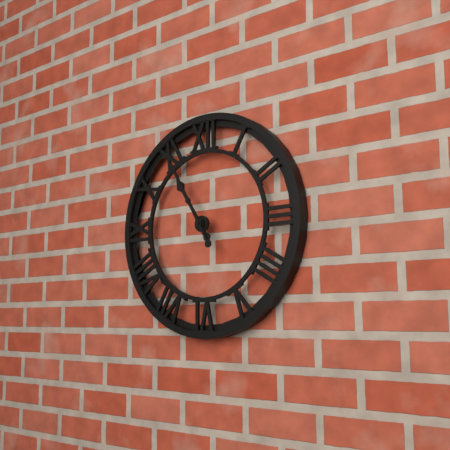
10:55
